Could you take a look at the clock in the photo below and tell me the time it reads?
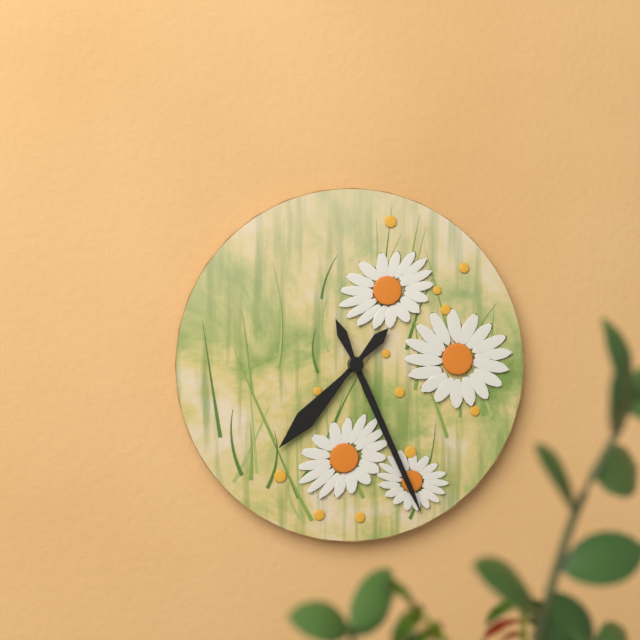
7:26
